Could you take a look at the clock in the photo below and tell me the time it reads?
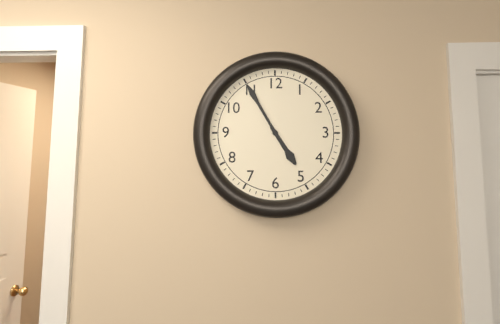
4:55
